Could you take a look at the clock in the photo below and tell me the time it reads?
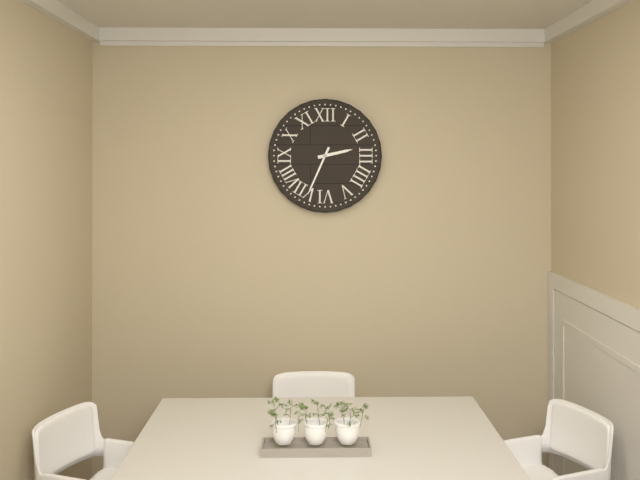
2:34
